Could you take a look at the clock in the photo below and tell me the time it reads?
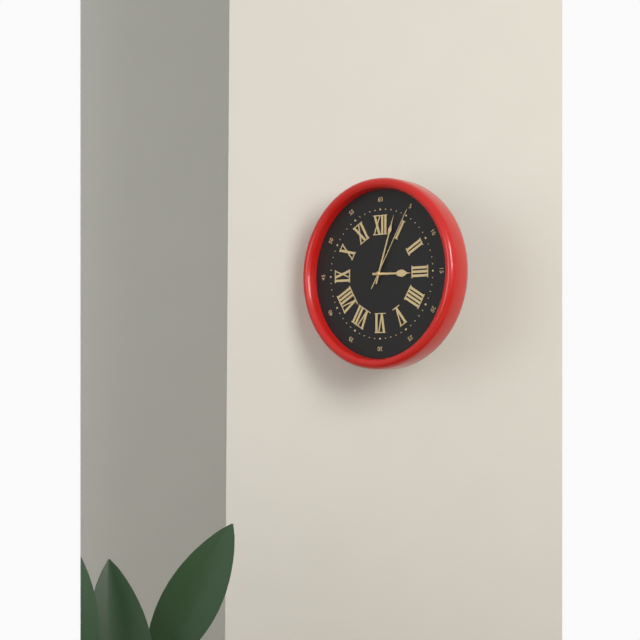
3:03:05
